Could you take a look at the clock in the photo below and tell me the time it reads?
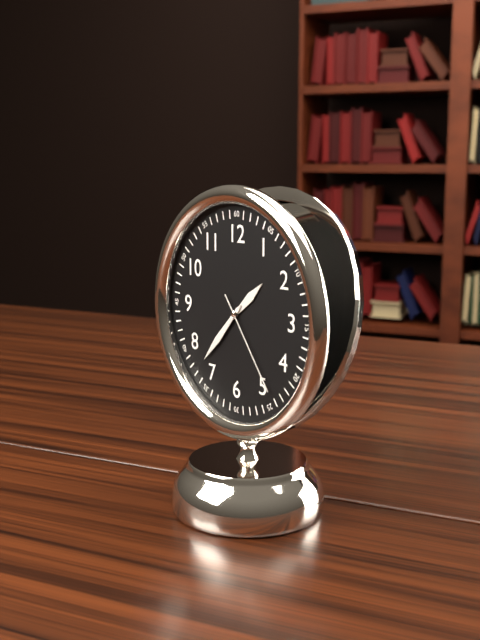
1:37:24
